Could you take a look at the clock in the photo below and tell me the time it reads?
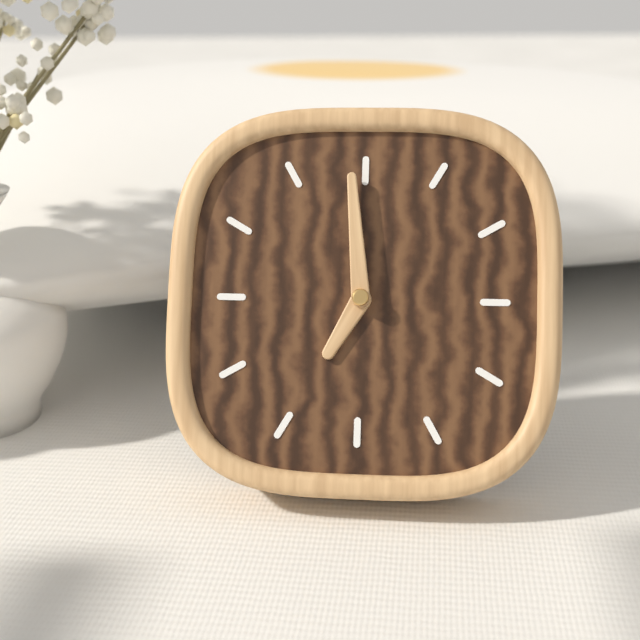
6:59
